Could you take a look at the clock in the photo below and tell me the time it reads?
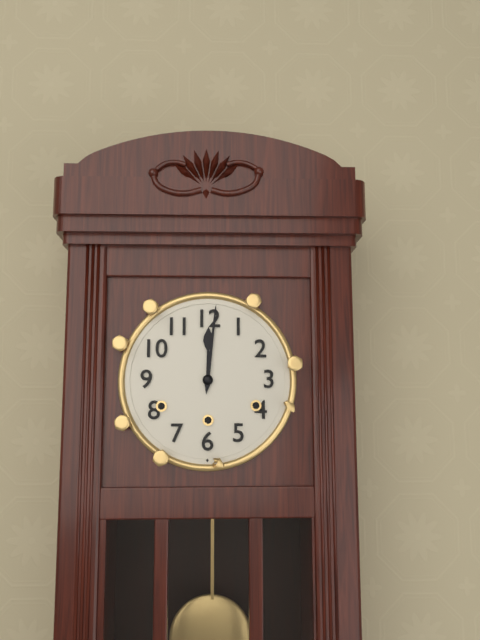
12:01
